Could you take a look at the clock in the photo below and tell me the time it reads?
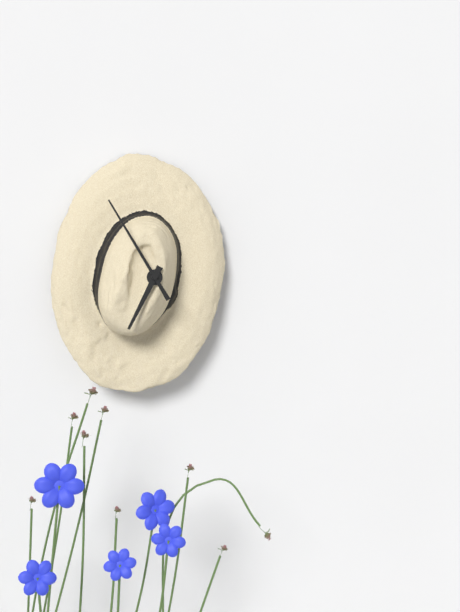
6:55
